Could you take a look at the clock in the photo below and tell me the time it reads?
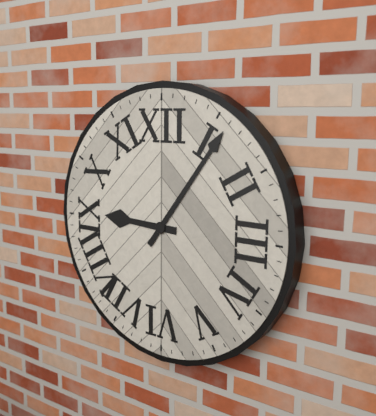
9:06
